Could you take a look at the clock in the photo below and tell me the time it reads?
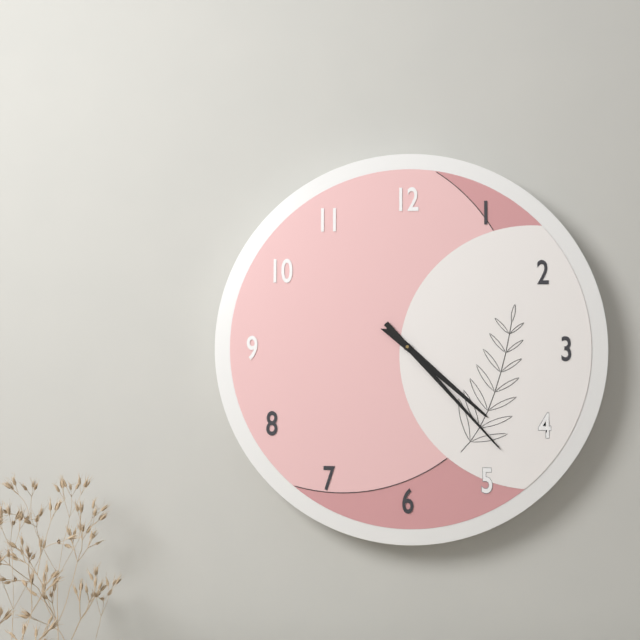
4:23
